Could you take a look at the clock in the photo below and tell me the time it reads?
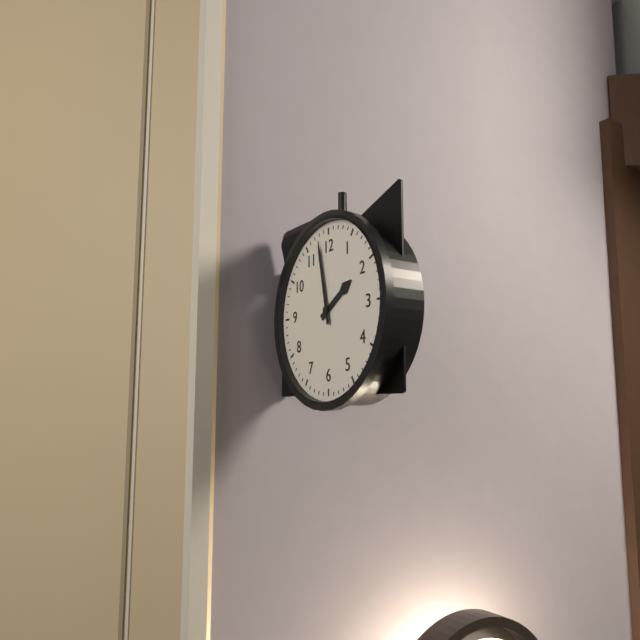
1:58
